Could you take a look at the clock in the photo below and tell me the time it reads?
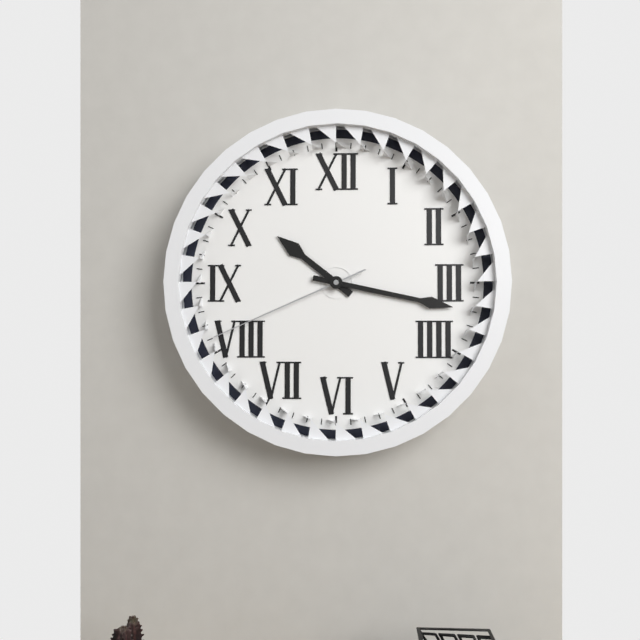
10:17:41
